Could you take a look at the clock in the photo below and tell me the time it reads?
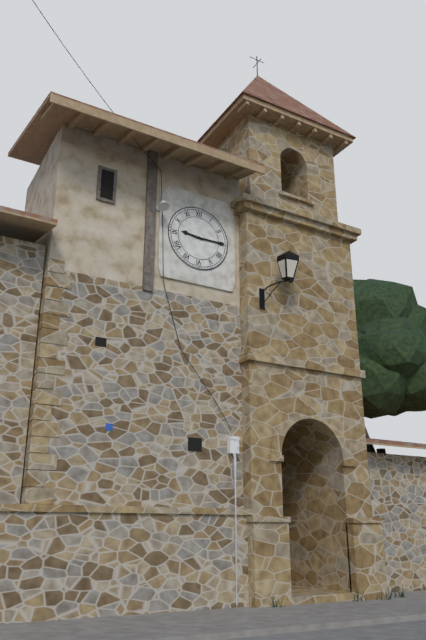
9:15
